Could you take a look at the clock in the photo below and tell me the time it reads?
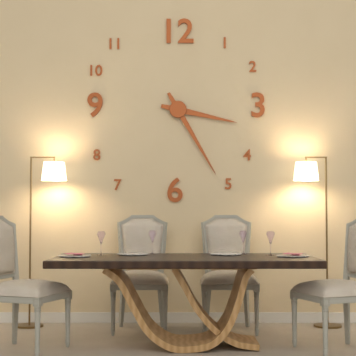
3:25
